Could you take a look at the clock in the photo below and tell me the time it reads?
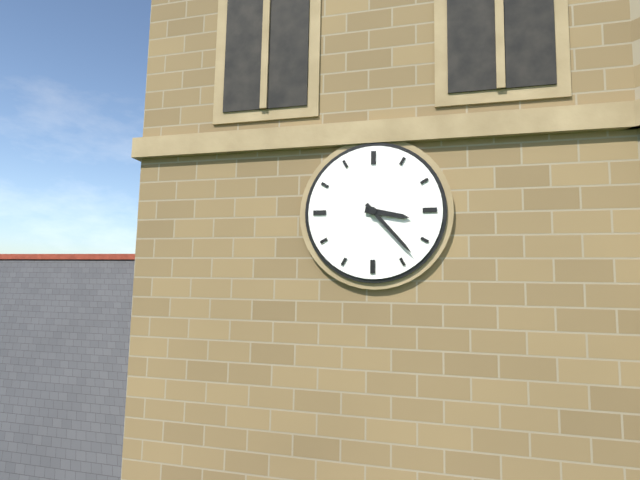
3:23
